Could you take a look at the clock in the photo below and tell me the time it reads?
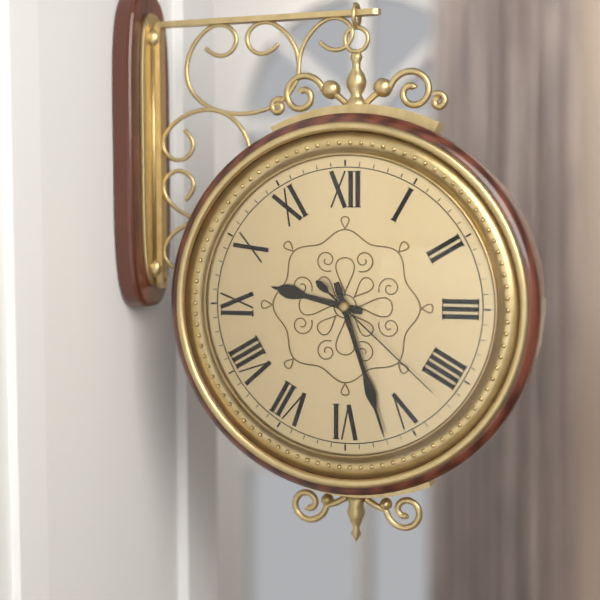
9:27:22
